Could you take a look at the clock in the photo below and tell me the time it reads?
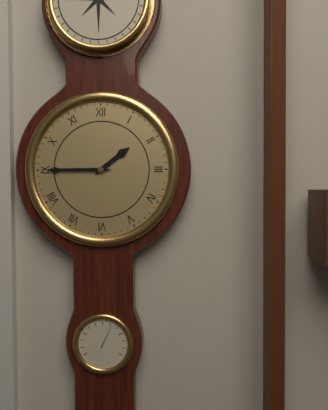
1:45
